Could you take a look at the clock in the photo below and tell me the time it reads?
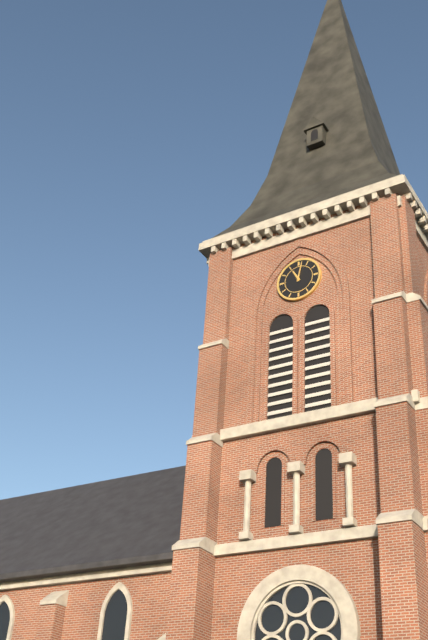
11:02
